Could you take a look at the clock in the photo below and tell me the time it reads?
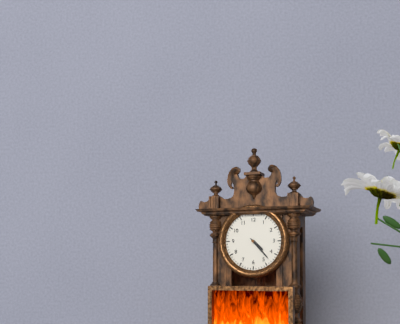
4:23
